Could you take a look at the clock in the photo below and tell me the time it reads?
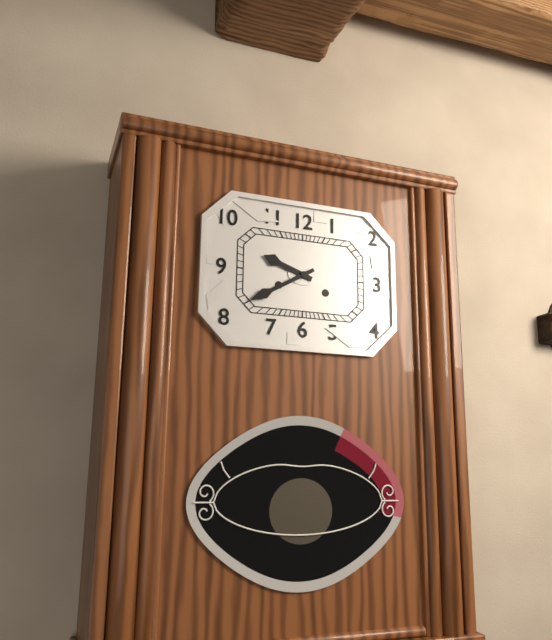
9:40
